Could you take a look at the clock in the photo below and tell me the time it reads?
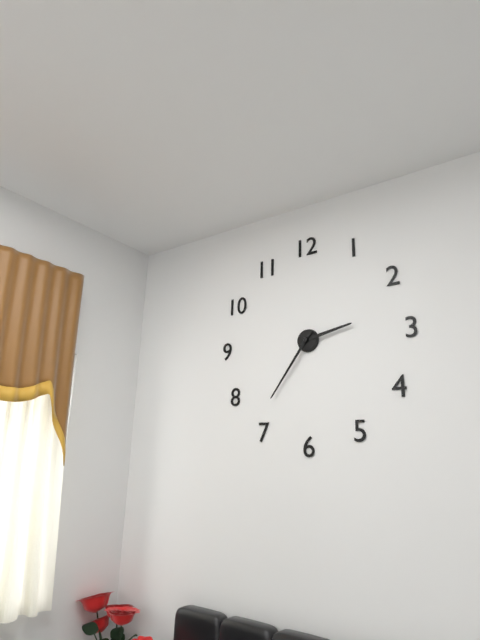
2:36
